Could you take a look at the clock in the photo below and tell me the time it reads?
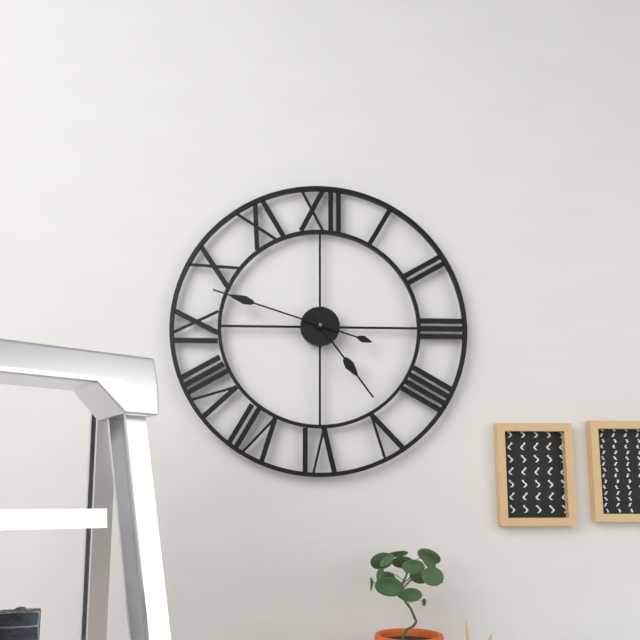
4:48
